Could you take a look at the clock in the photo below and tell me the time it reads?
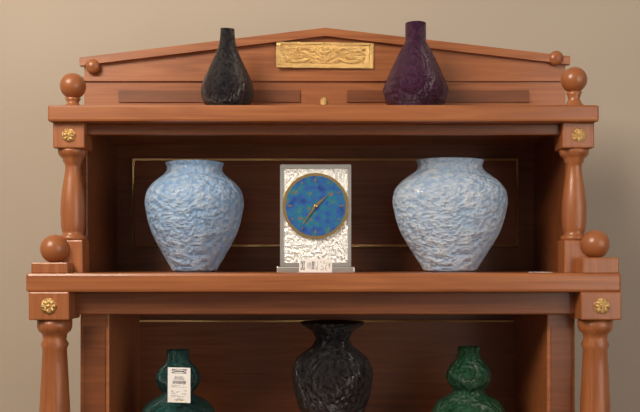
1:36
